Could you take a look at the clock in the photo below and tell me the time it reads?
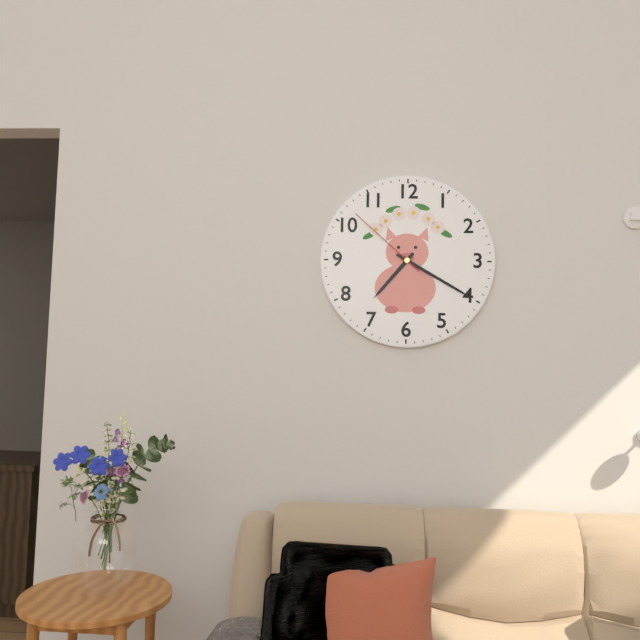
7:20:52
